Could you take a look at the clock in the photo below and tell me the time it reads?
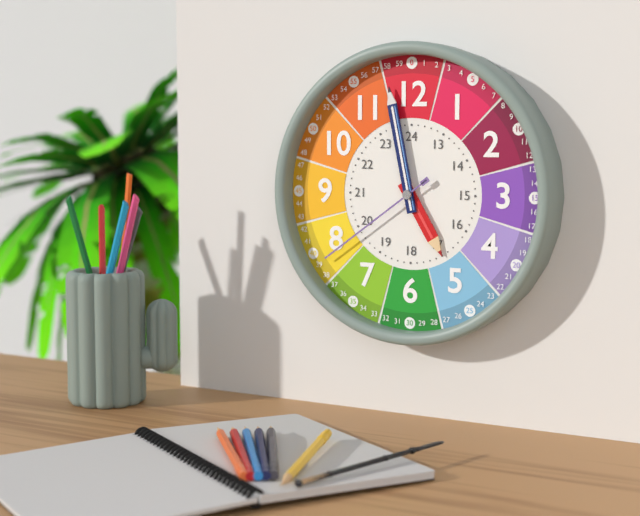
4:58:39
